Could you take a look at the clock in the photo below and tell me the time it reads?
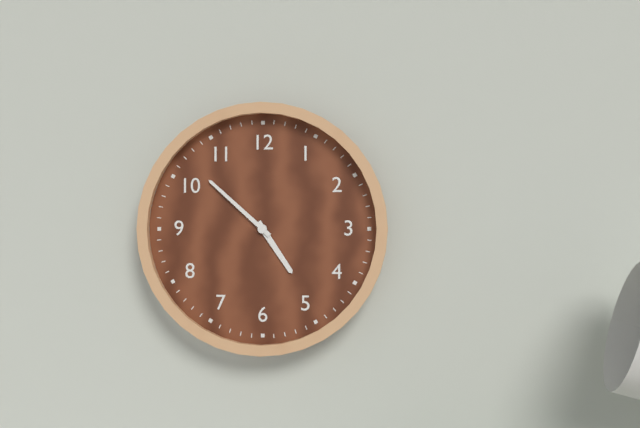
4:52
